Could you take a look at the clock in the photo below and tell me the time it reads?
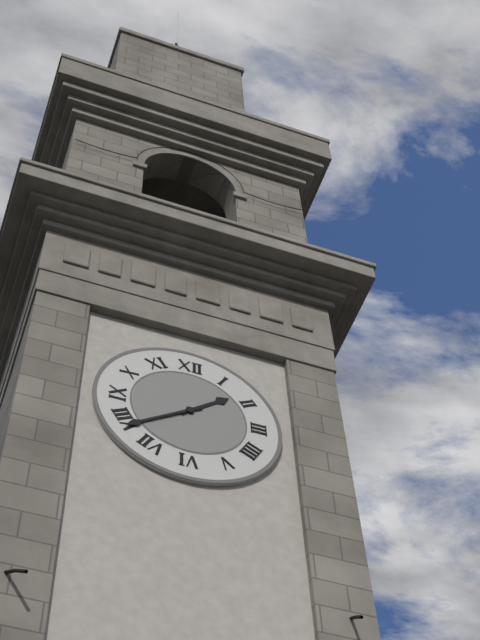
1:39
